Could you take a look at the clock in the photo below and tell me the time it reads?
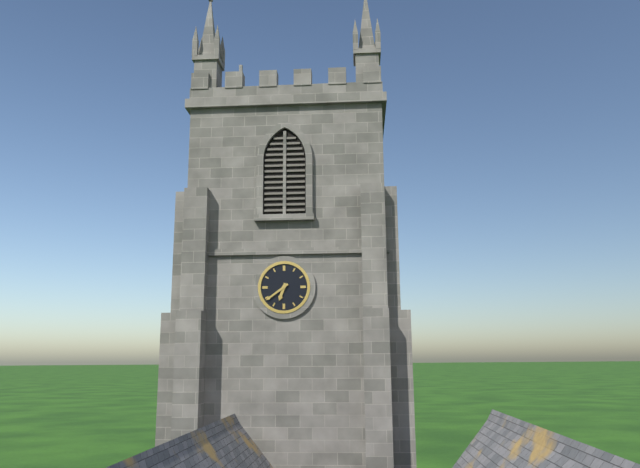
6:39
